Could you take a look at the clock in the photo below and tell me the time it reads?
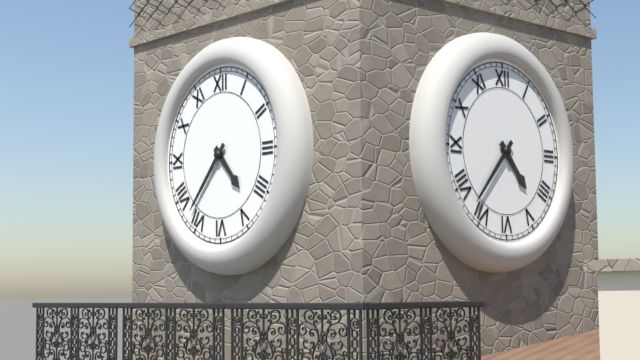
4:37
